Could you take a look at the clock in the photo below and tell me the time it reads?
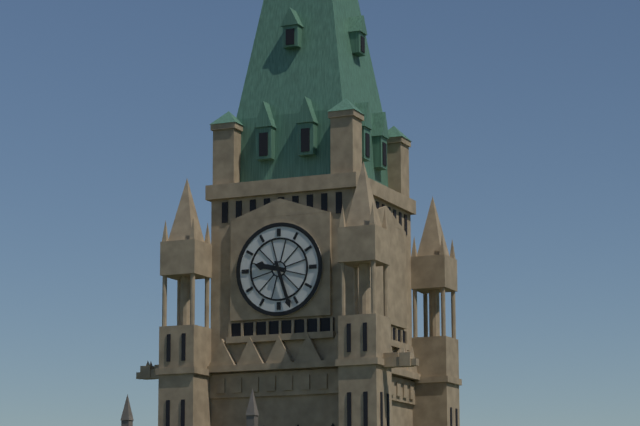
9:27
